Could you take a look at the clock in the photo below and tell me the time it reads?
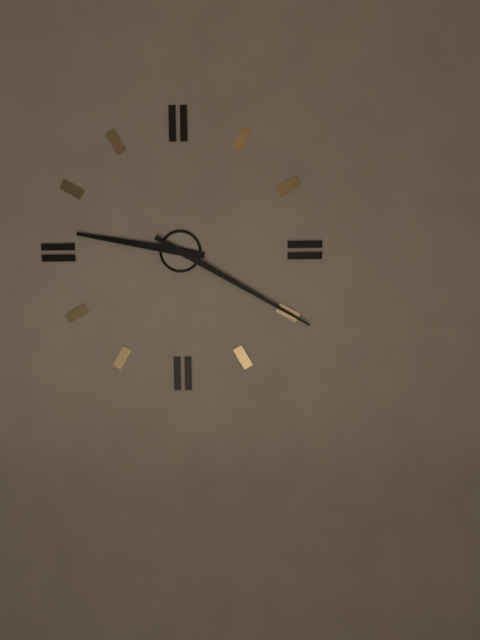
9:20
